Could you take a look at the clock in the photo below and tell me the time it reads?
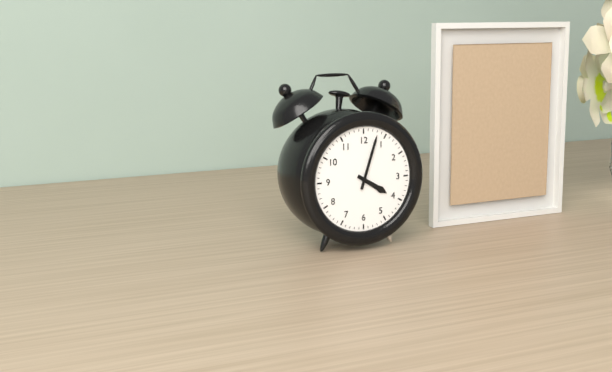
4:03
